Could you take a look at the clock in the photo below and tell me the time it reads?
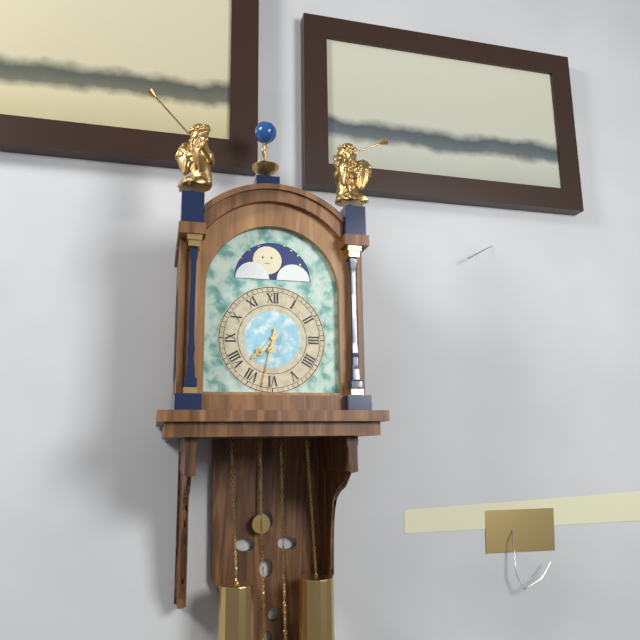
7:32
